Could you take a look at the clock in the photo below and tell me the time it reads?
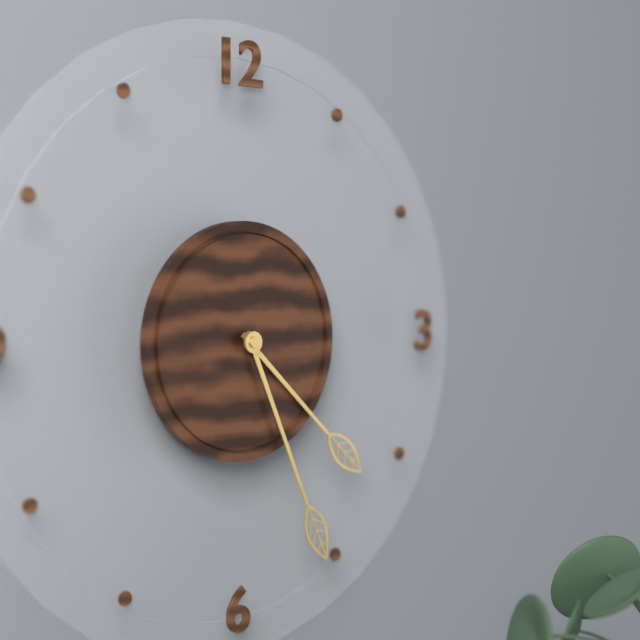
4:26
